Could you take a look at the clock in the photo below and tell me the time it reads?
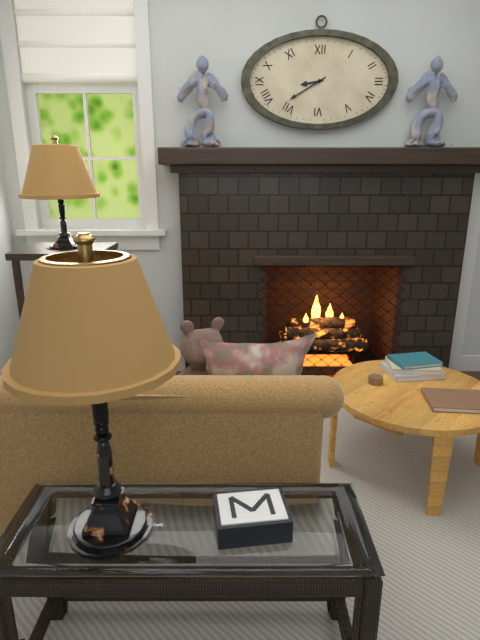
8:40
